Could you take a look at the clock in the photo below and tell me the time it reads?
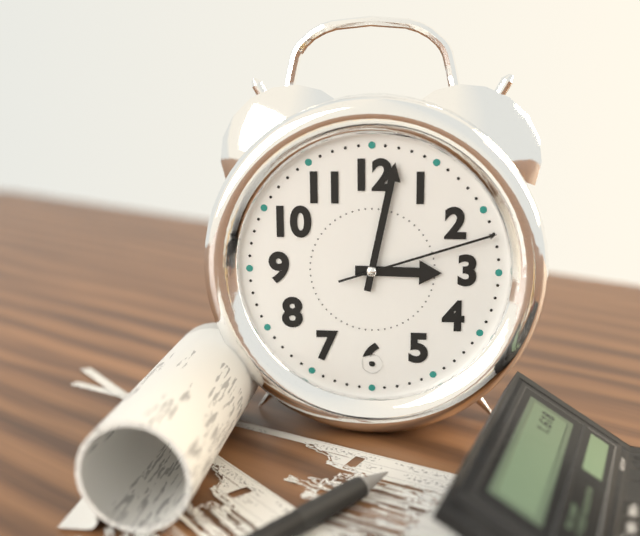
3:02:12
